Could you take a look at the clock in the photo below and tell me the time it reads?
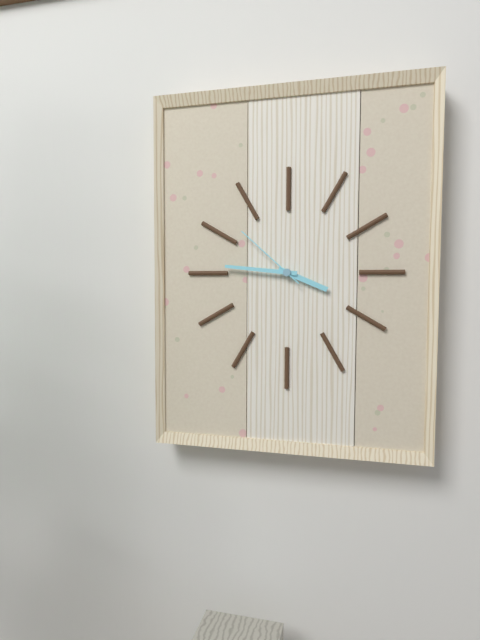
3:46:52
